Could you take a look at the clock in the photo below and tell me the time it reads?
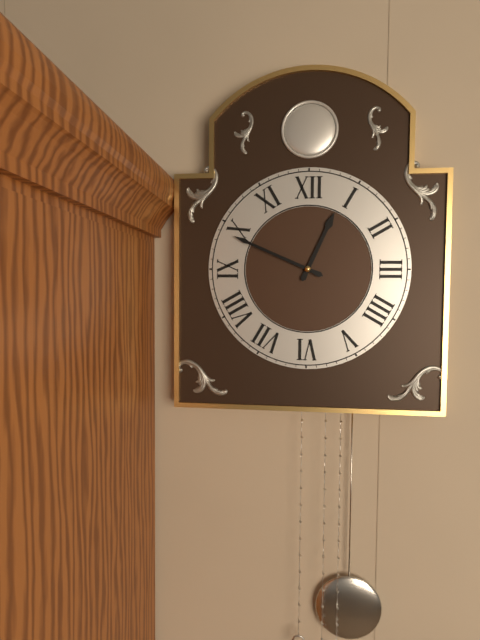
12:49
